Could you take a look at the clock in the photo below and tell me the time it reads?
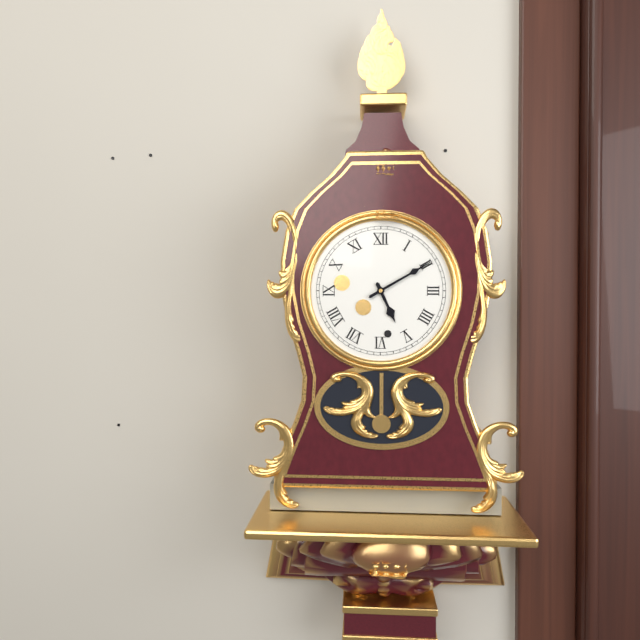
5:10
